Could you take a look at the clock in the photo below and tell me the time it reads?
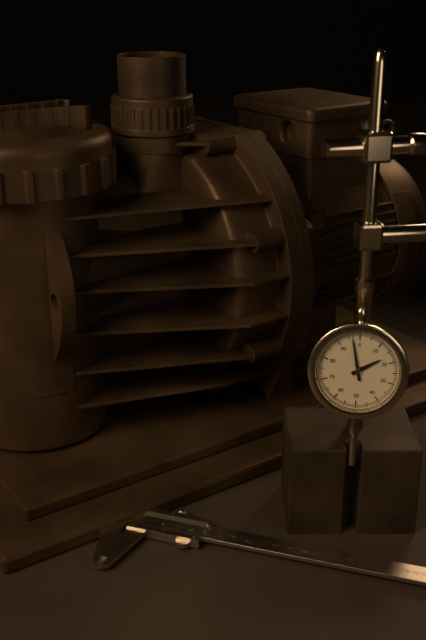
1:58
